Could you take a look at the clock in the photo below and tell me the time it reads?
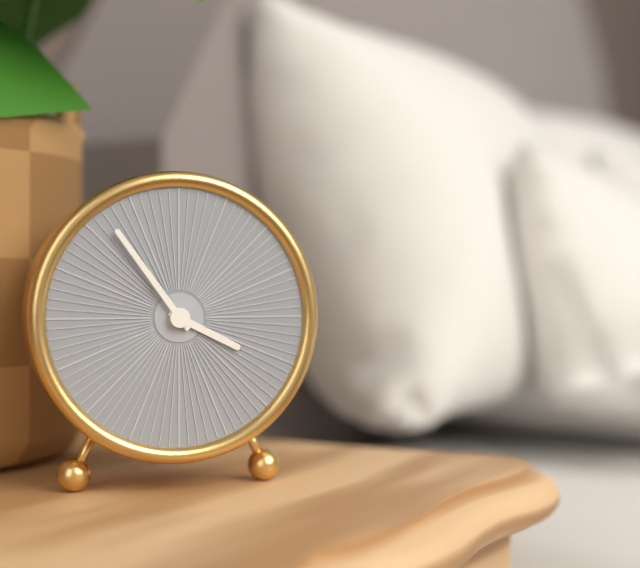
3:54
